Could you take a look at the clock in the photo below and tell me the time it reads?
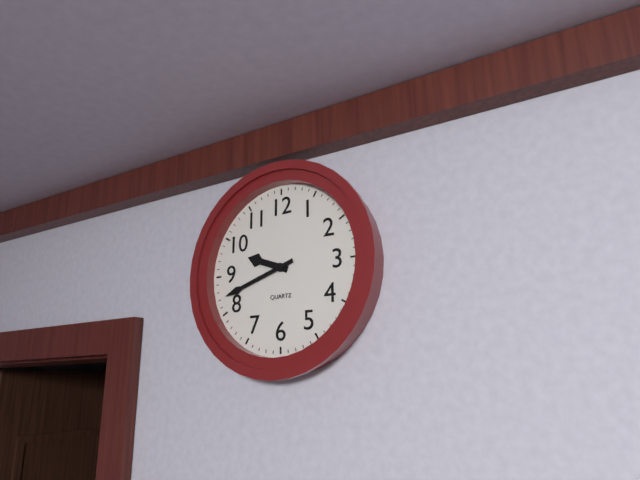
9:42
